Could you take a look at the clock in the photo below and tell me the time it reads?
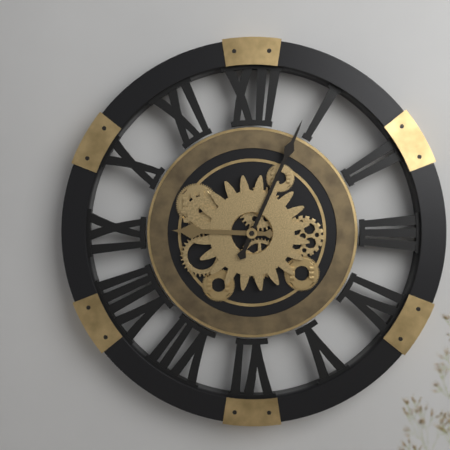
9:04
